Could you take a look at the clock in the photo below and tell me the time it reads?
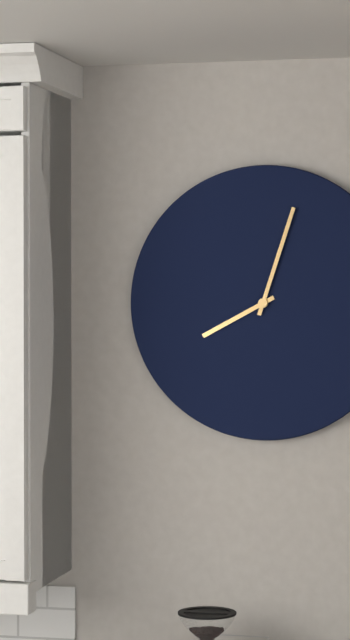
8:03
